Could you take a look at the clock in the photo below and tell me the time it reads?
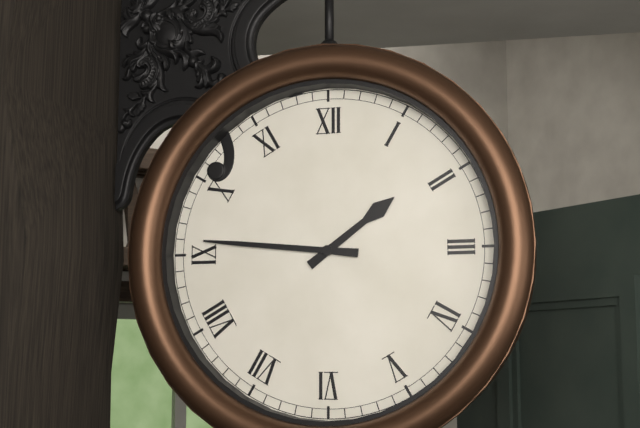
1:46
